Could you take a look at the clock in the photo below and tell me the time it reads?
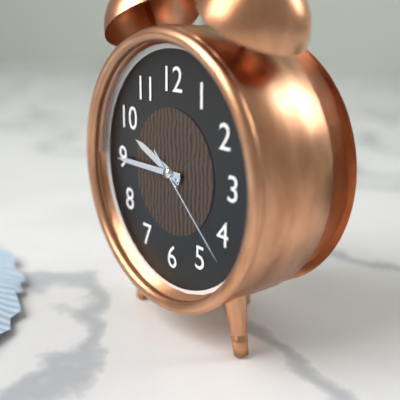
9:45:22
